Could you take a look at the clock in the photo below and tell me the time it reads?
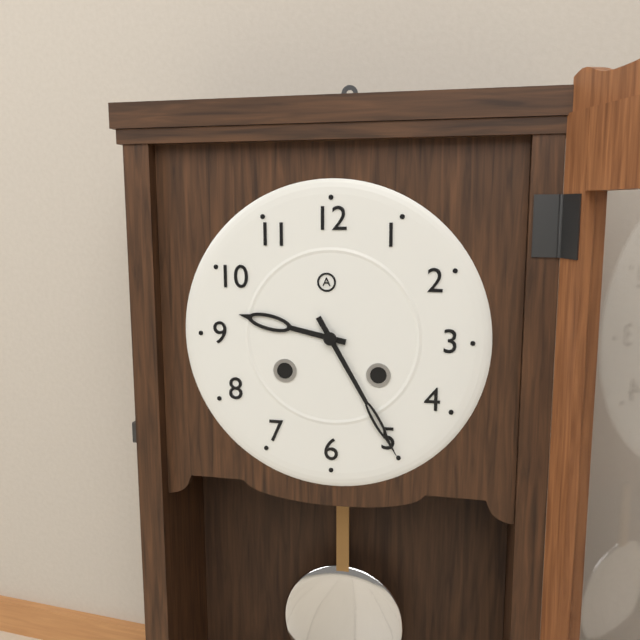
9:25
